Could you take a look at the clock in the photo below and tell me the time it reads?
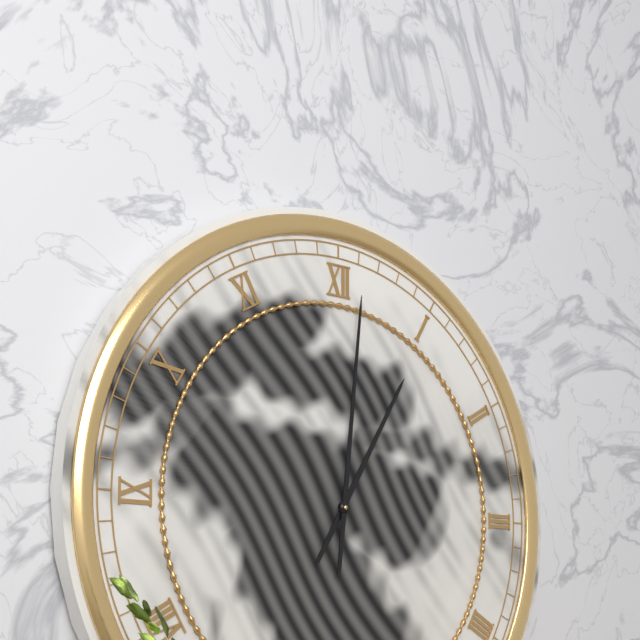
1:01
